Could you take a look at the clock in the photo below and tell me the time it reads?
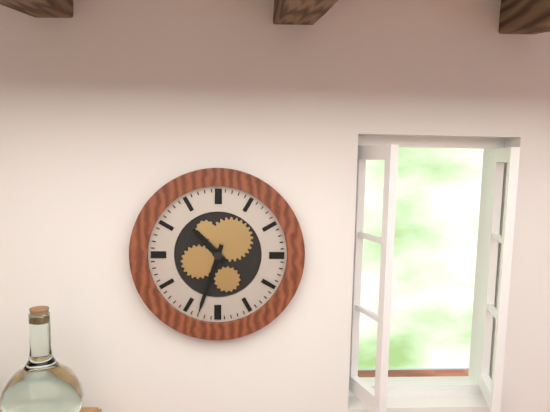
10:33
